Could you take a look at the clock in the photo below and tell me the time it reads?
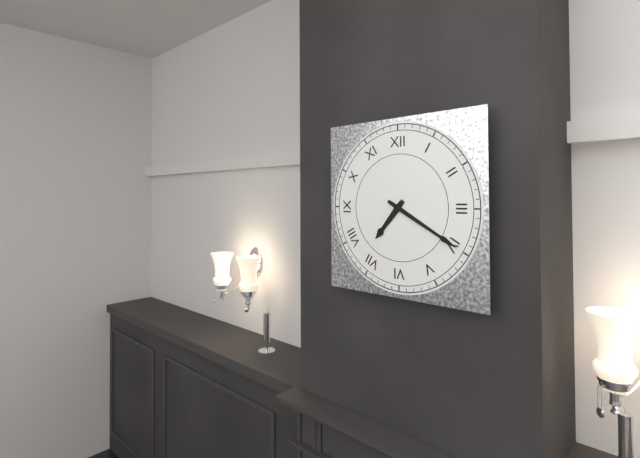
7:20
